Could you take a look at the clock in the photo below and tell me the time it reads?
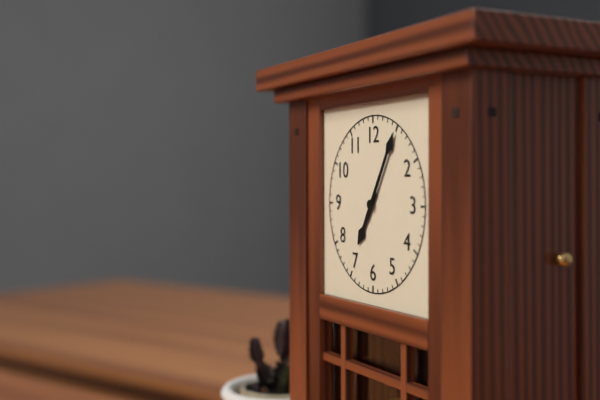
7:05
